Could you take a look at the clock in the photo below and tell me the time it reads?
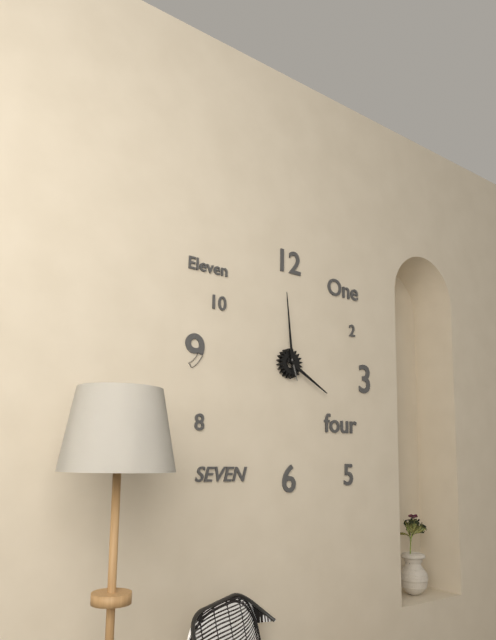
3:59
